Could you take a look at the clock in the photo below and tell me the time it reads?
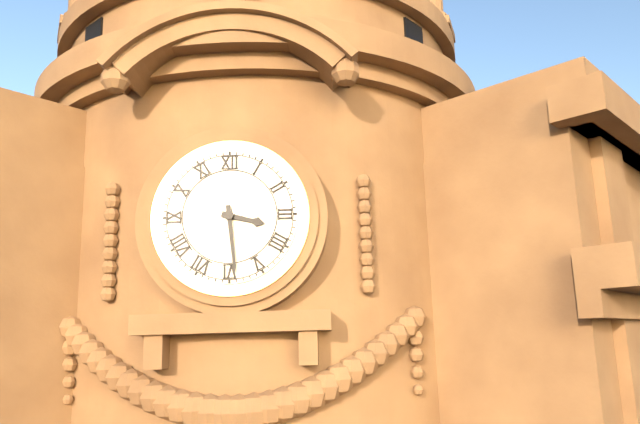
3:29
